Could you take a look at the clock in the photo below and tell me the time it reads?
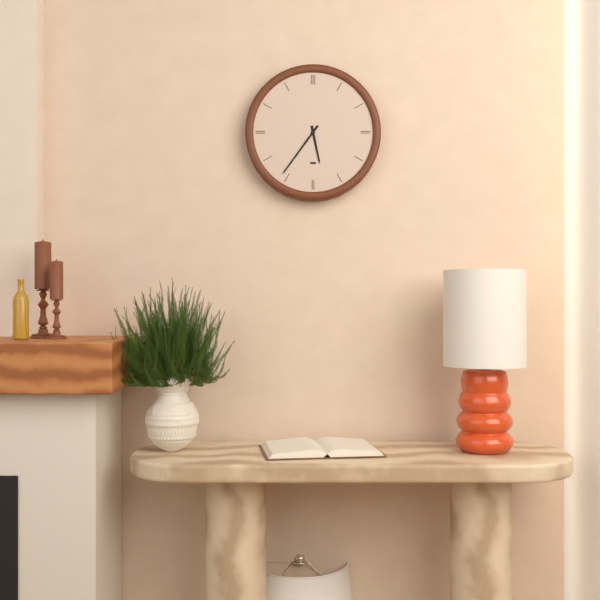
5:36
